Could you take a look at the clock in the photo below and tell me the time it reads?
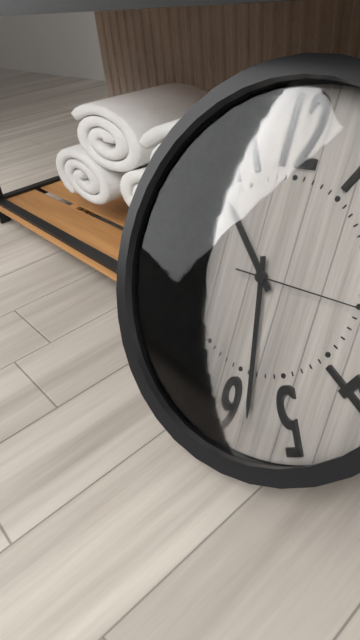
10:28
